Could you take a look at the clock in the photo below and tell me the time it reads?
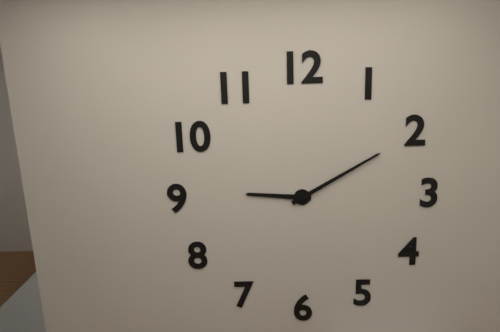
9:10
